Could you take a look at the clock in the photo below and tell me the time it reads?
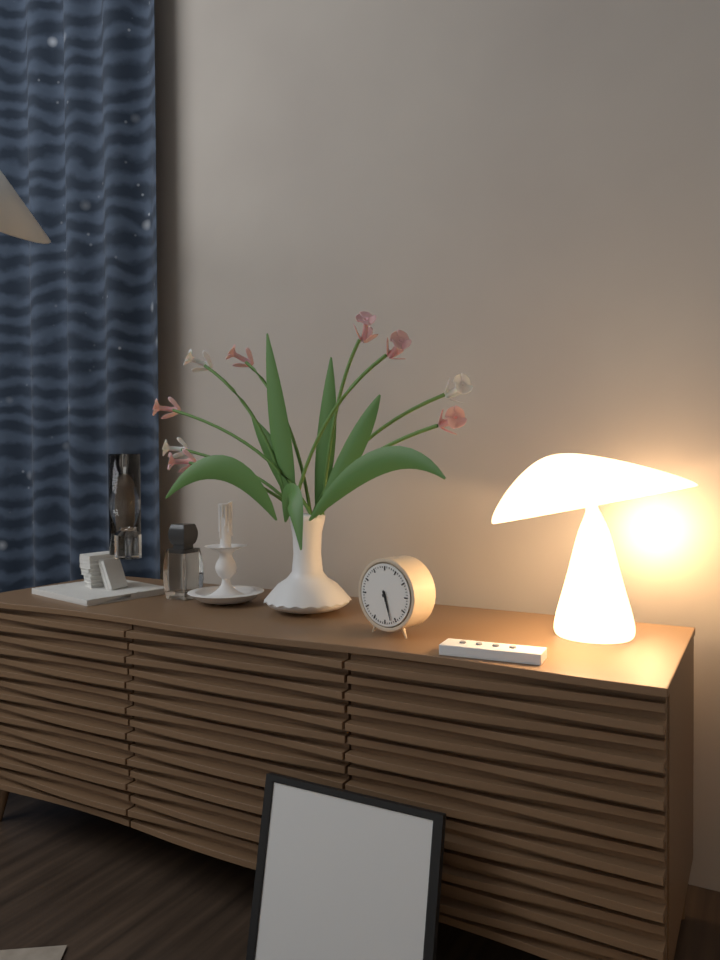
5:27
